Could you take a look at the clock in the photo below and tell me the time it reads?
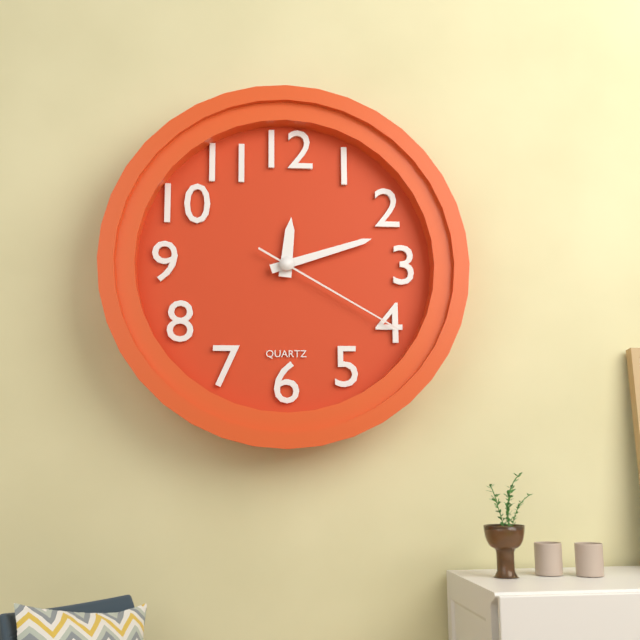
12:12:20
